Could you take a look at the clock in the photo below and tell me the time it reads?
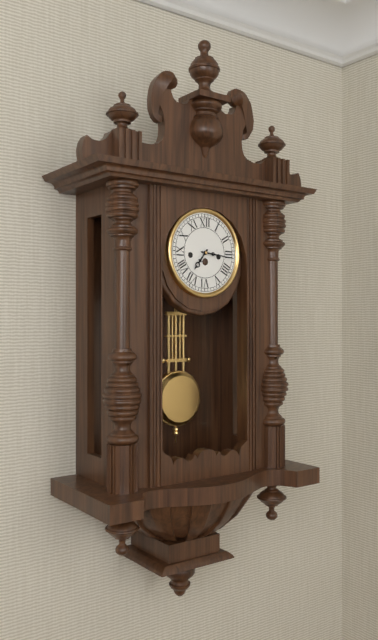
7:16
